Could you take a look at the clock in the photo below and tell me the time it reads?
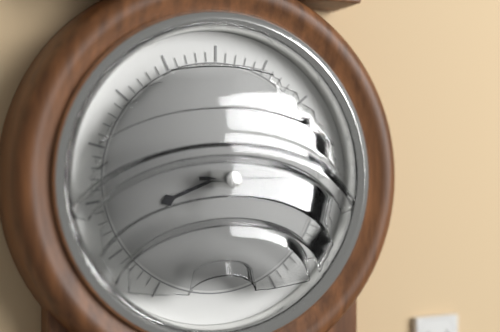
8:15
